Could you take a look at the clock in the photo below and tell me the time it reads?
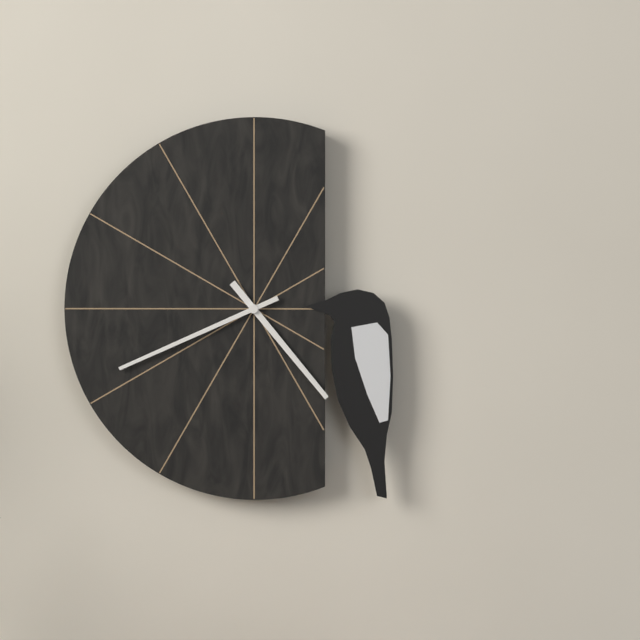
4:41
